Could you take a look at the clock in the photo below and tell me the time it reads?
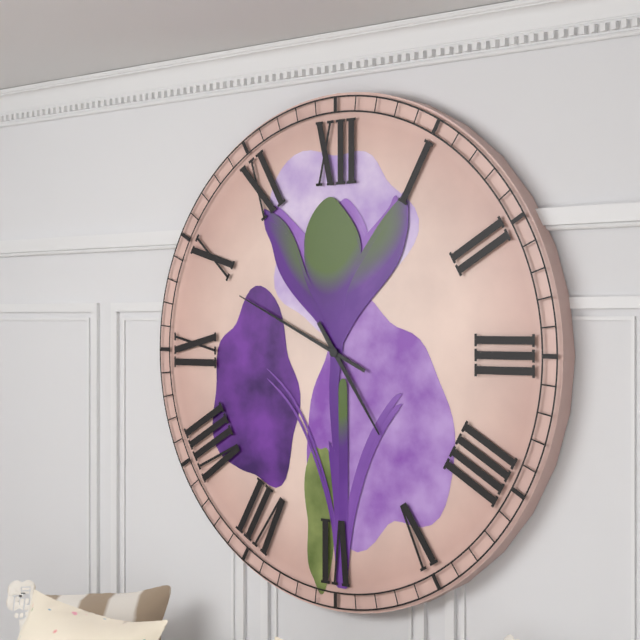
4:49
